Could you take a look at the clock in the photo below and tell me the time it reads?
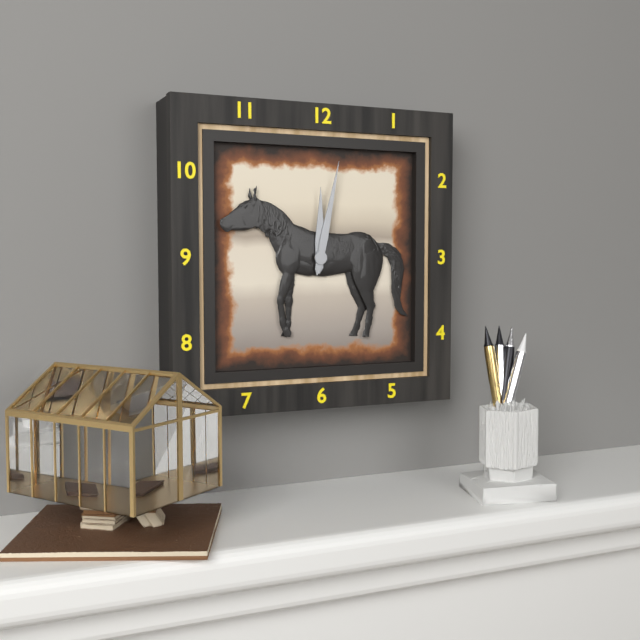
12:02
